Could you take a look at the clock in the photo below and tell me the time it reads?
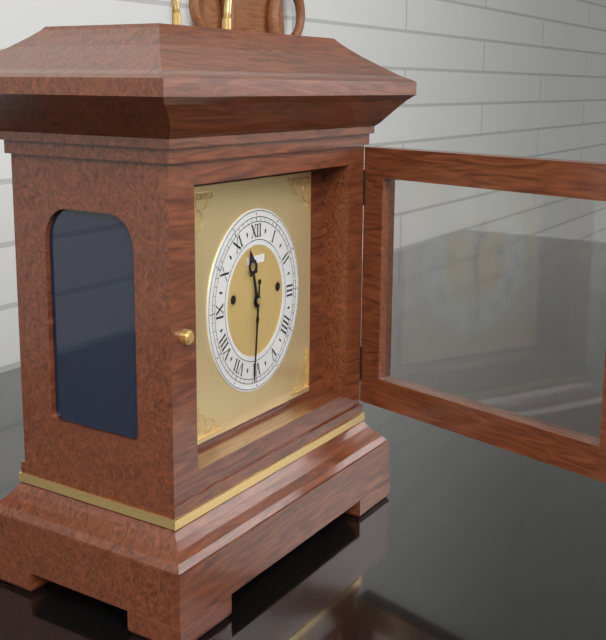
11:31
